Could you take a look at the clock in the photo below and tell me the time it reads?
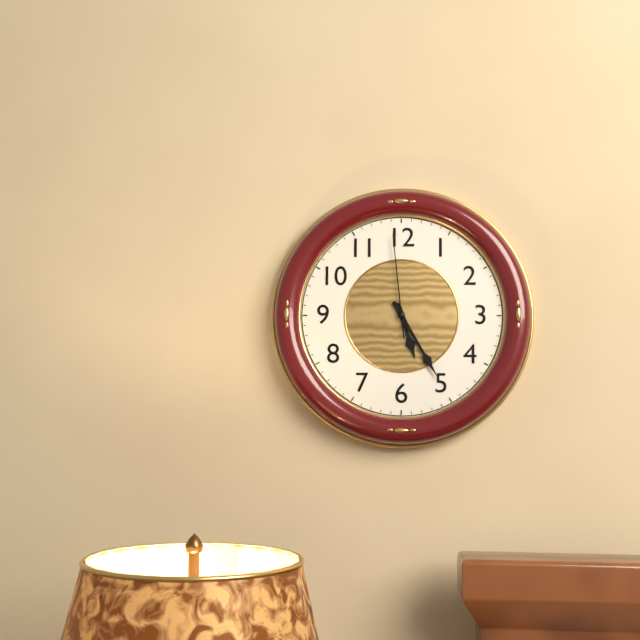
5:25:59
